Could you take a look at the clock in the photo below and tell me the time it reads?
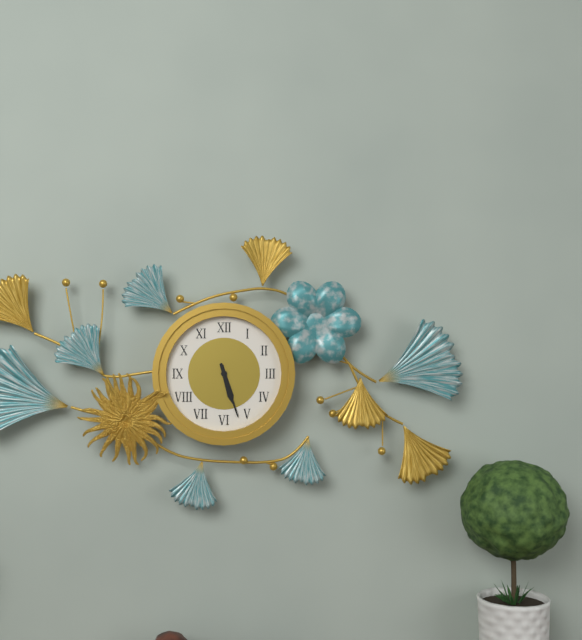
5:27
